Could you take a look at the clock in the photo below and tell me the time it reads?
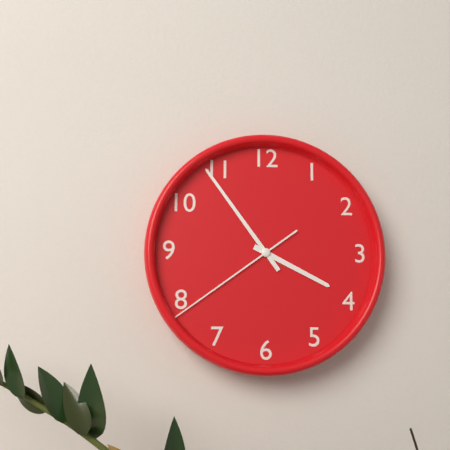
3:54:39
